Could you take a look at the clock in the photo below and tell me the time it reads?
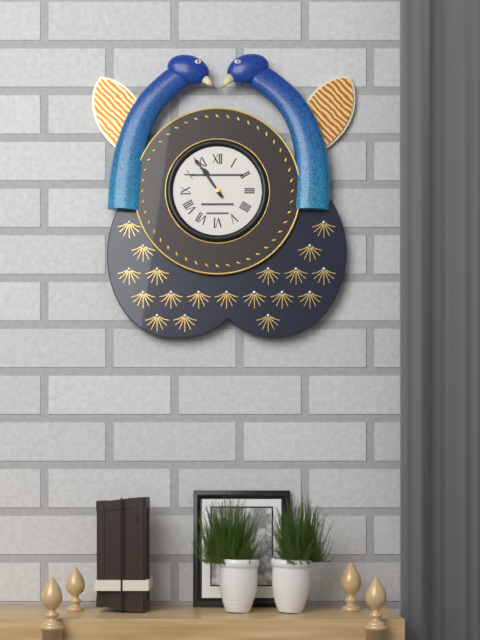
10:54
